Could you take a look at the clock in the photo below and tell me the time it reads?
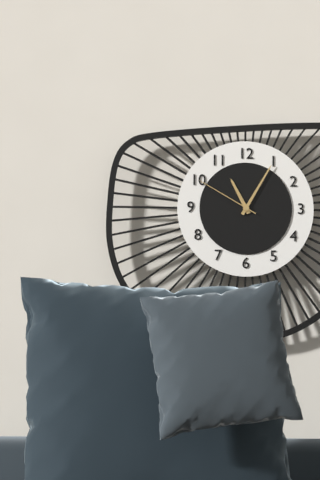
11:05:50
